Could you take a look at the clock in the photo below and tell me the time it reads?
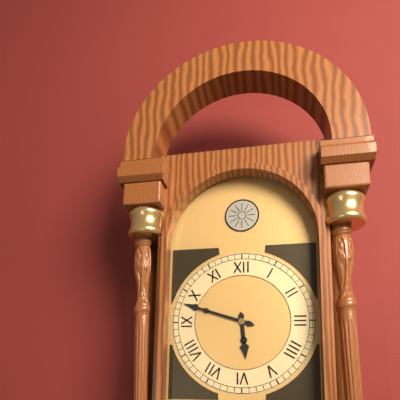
5:48
